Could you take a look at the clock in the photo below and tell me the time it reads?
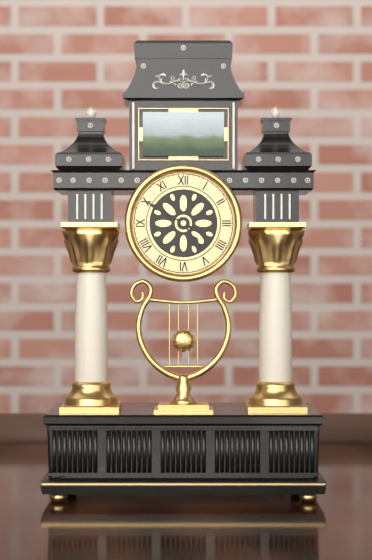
4:50
